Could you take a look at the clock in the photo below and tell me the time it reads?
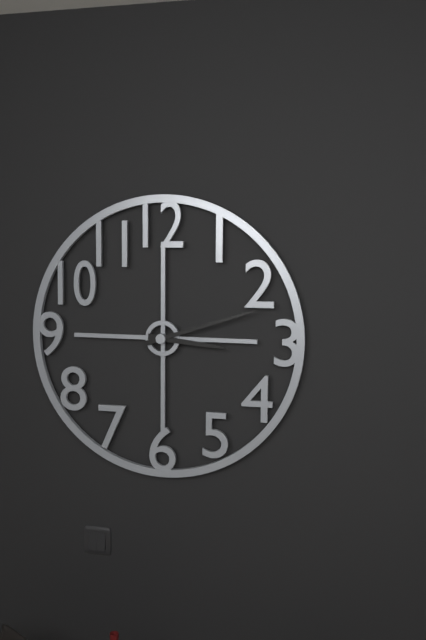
3:12
